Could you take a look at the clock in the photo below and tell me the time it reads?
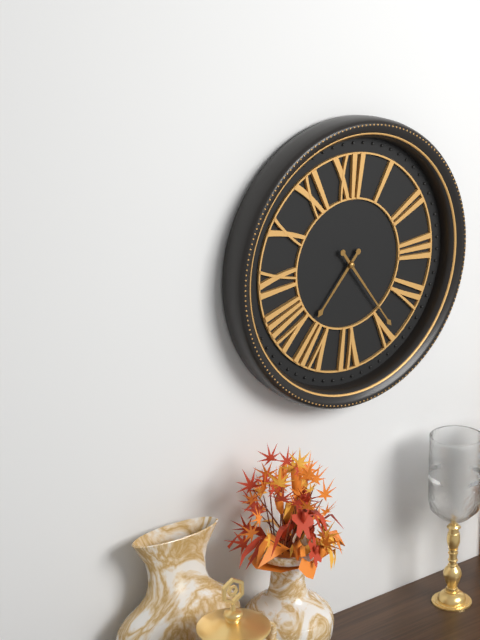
7:24
